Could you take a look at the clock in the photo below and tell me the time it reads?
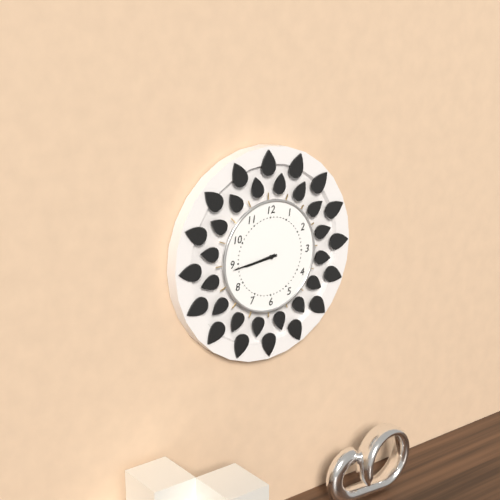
8:44
